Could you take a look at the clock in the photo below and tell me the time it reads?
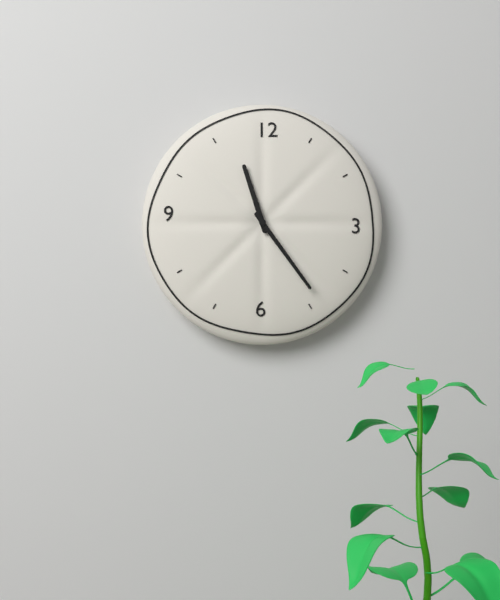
11:24
